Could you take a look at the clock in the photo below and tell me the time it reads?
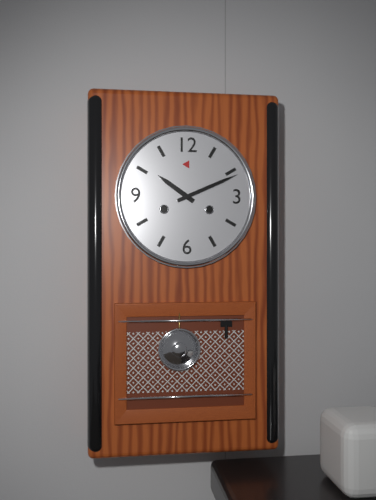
10:11
